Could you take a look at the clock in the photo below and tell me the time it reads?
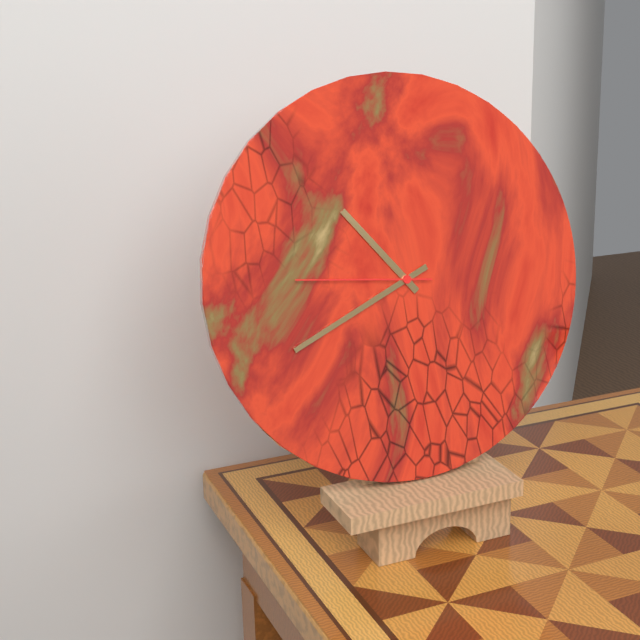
10:41:46
